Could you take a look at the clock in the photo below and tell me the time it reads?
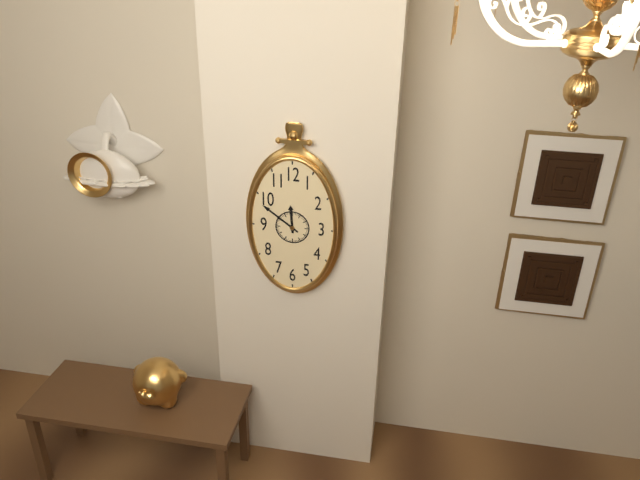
11:51
